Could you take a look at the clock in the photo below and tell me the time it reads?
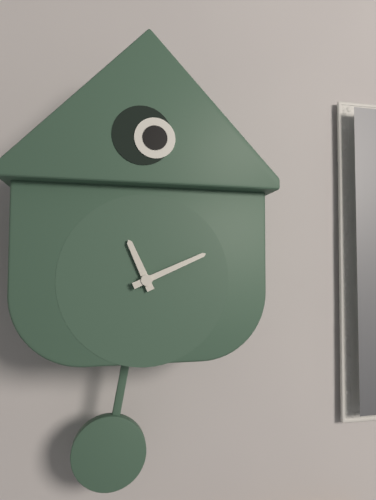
11:11
